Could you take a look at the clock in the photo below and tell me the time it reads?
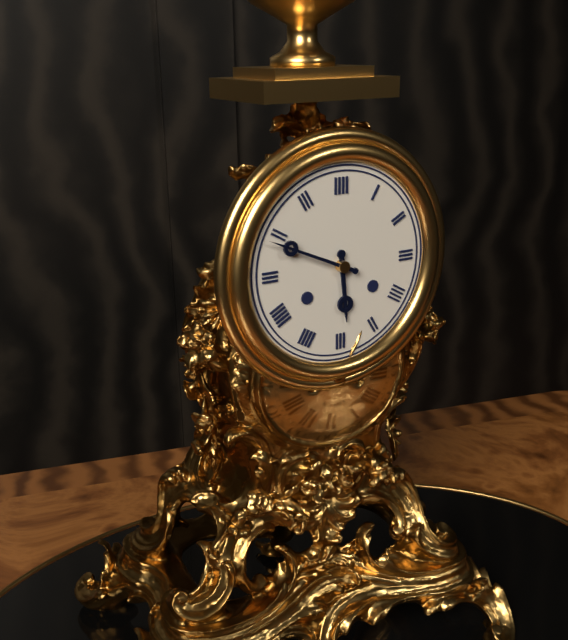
5:49
